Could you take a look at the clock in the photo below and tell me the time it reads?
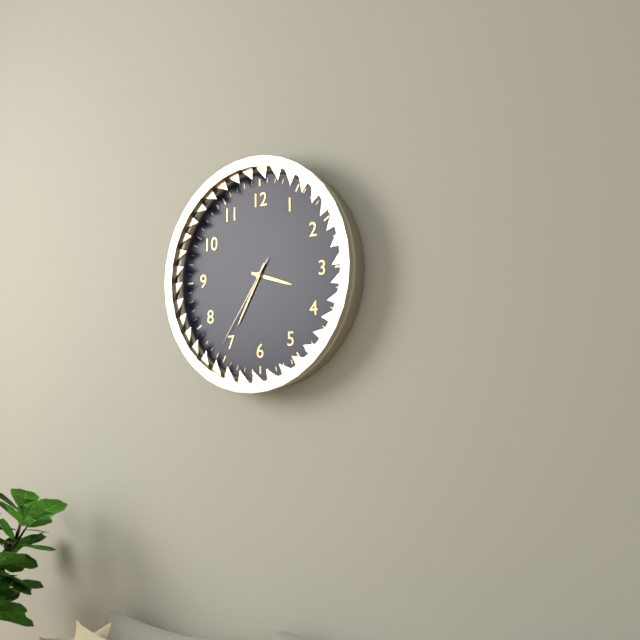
3:35:36
